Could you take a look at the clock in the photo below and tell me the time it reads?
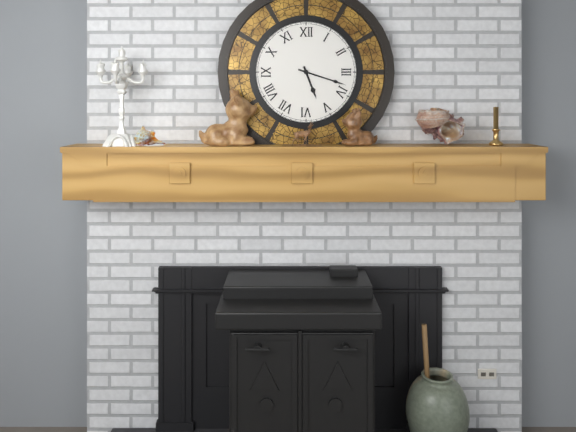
5:18
